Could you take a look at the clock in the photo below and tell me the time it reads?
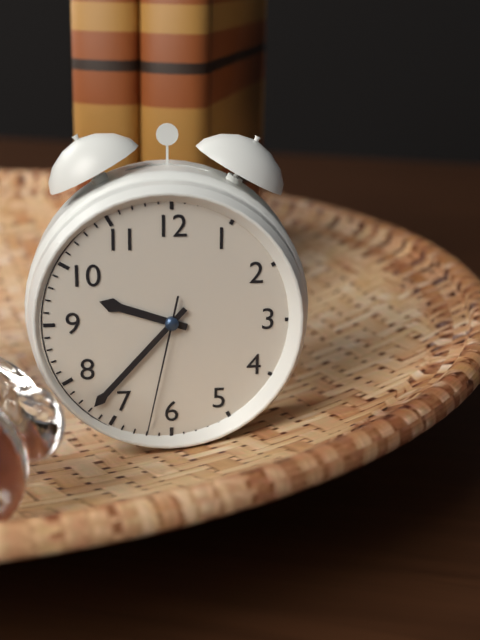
9:37:32
